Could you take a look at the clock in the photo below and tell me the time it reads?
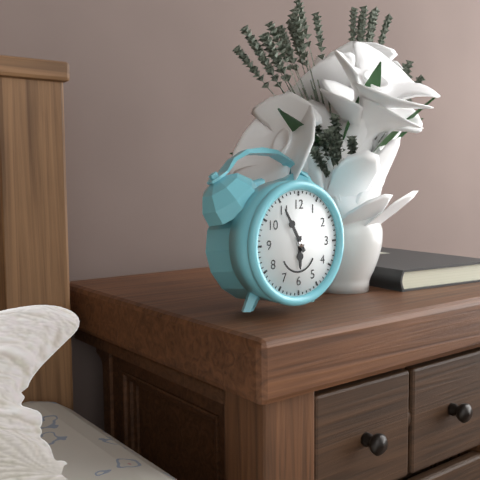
5:55
